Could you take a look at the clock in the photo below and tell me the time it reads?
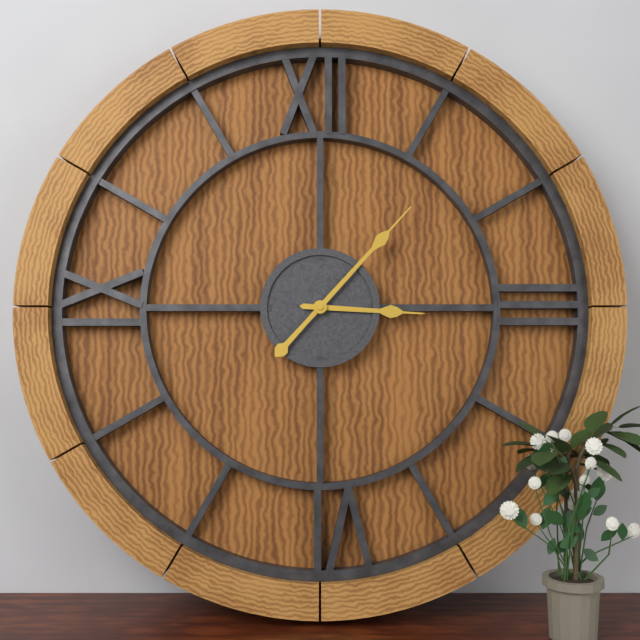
3:07
